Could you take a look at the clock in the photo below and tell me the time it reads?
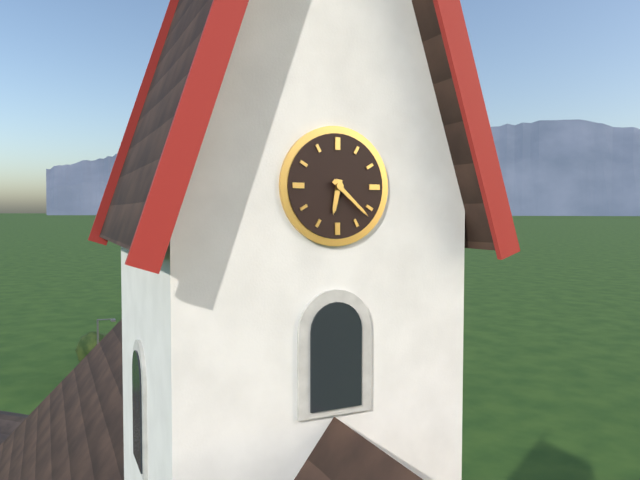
6:22
